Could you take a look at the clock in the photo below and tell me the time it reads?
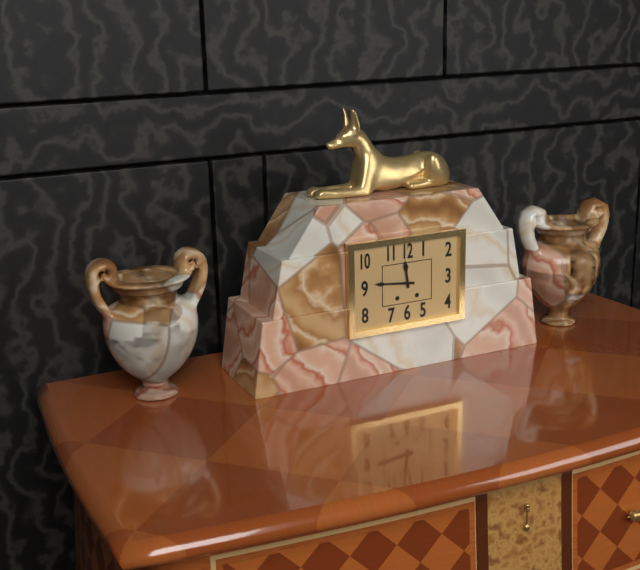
11:46
